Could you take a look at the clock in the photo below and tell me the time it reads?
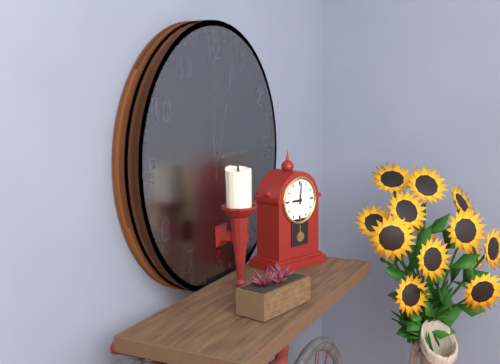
9:01
